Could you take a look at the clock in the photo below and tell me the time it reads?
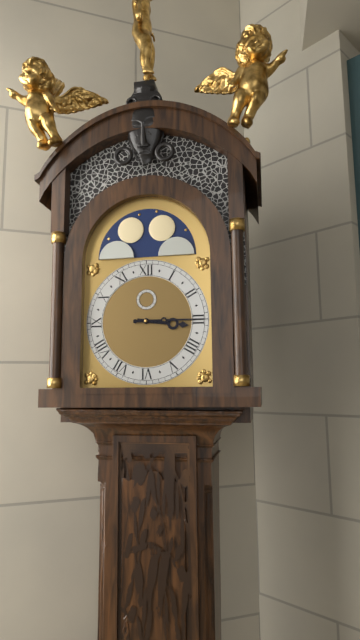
3:15
